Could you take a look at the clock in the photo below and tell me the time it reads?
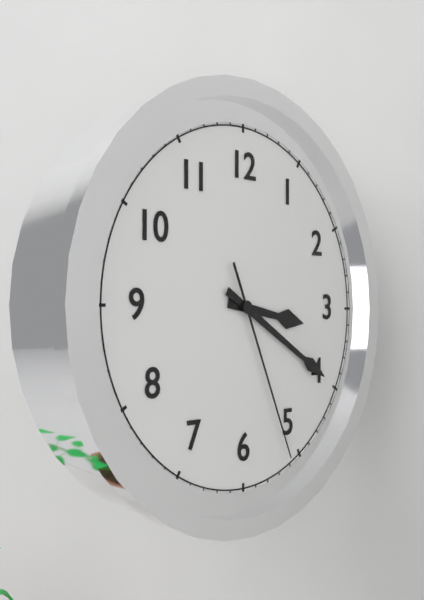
3:20:26
